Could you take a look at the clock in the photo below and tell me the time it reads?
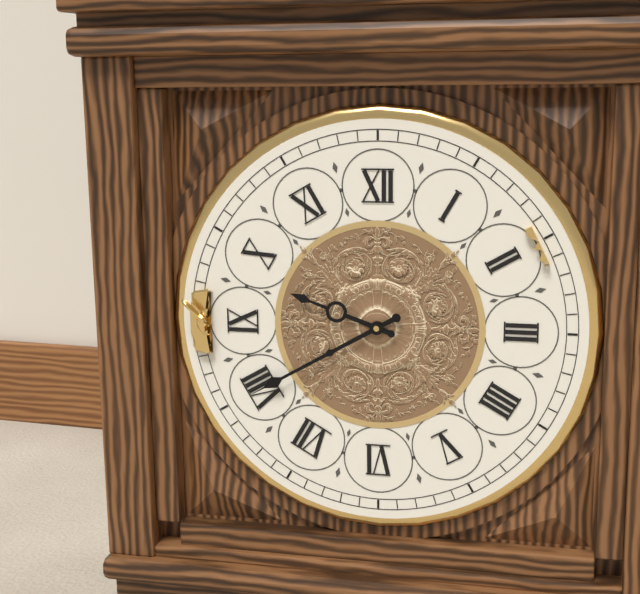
9:40
